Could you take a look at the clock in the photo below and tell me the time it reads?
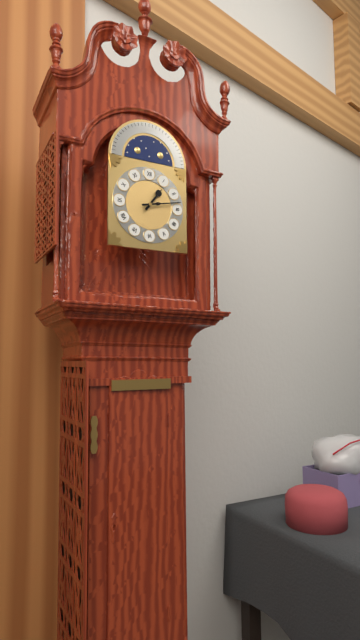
1:13
